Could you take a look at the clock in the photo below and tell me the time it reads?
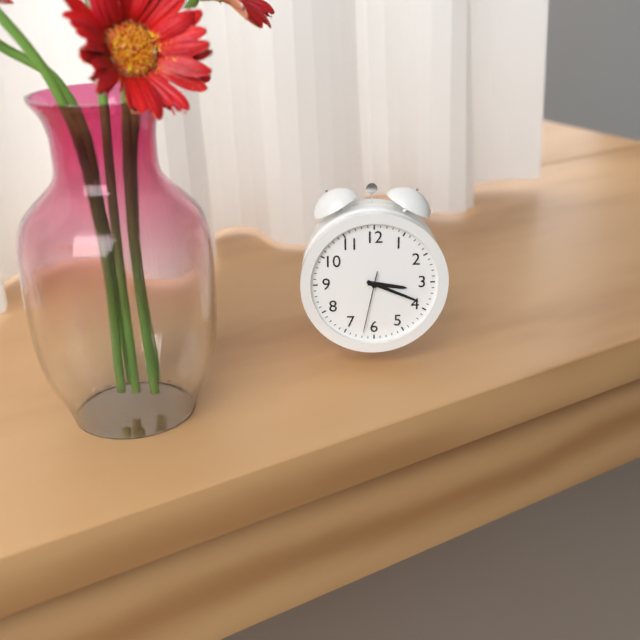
3:19:32
